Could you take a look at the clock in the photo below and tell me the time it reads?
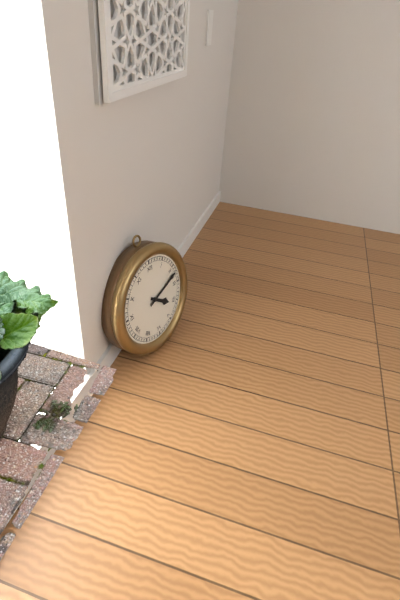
4:12
